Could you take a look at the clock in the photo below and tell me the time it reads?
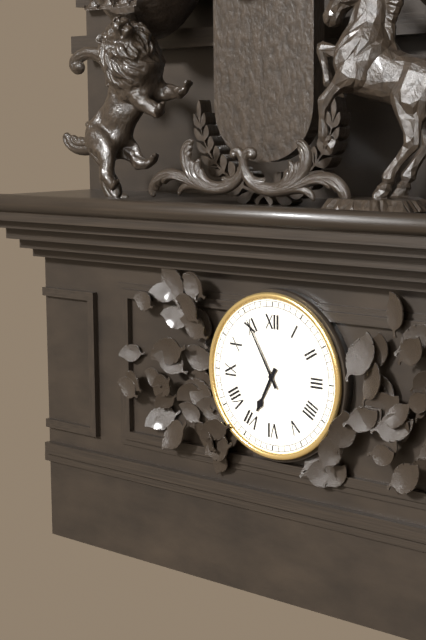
6:55
